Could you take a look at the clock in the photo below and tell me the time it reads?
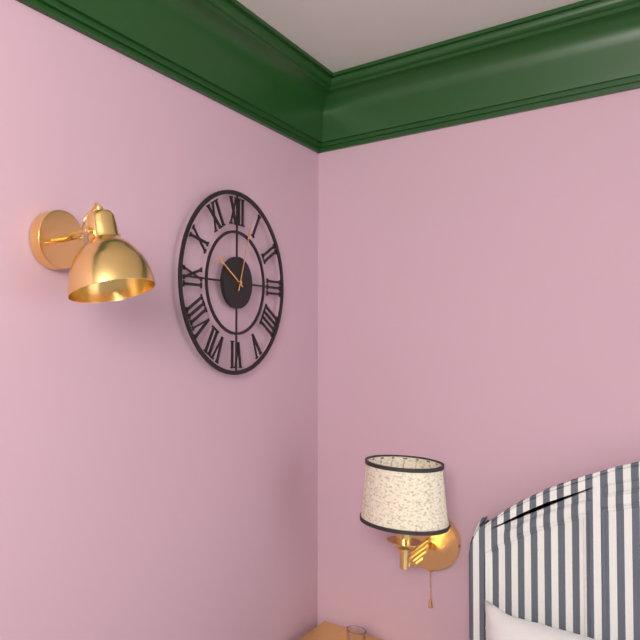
10:03
